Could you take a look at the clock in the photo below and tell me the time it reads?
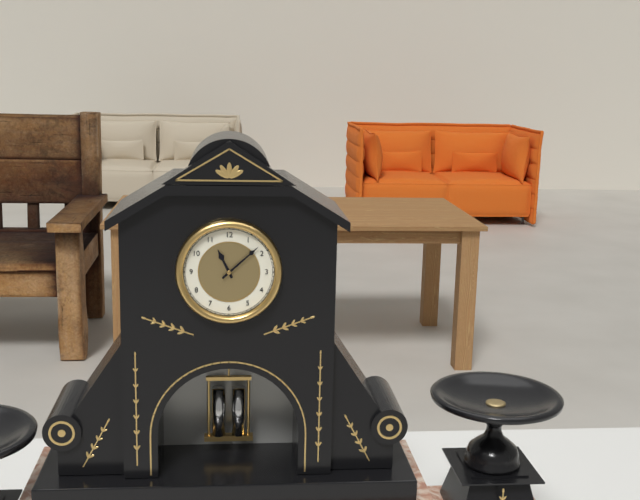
11:08
